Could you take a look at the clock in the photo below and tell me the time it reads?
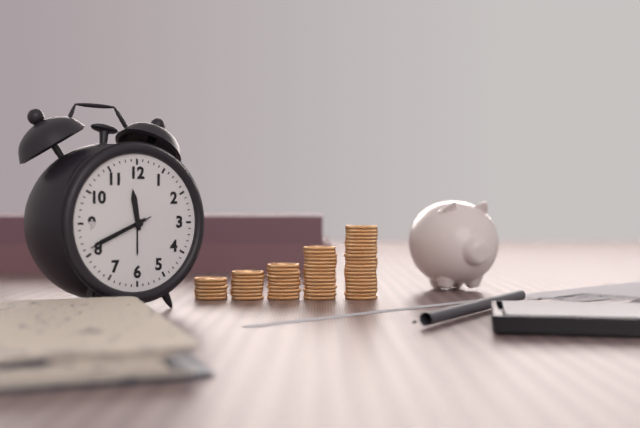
11:41:41
